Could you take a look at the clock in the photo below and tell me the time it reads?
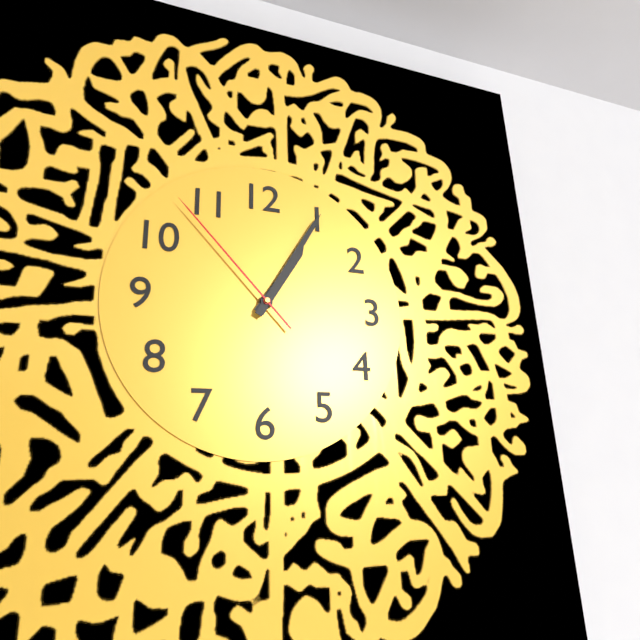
1:05:53
